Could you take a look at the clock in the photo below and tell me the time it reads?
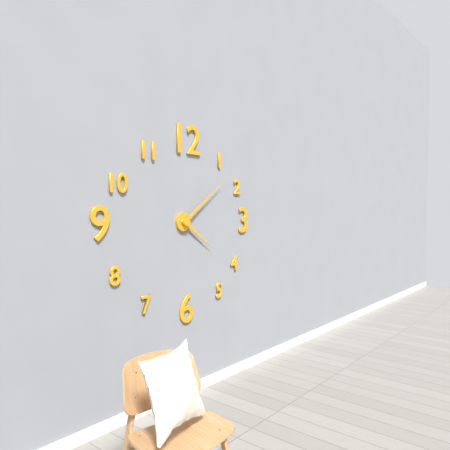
4:09
